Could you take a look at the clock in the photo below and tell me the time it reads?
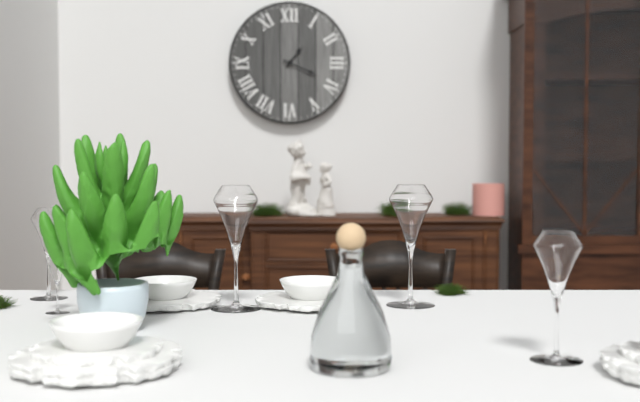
1:19
